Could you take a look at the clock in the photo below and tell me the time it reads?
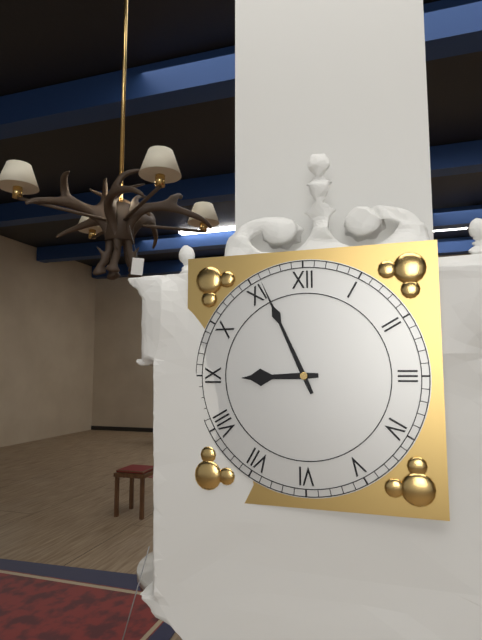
8:56
